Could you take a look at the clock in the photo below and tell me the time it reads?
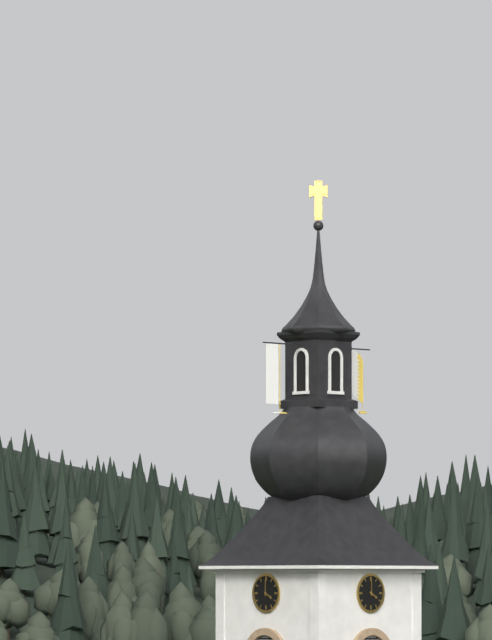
4:00
